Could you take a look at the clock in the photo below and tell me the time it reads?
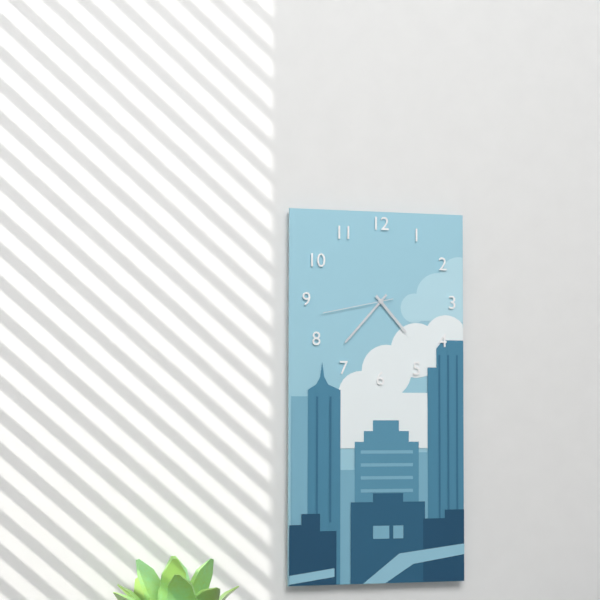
4:37:43
